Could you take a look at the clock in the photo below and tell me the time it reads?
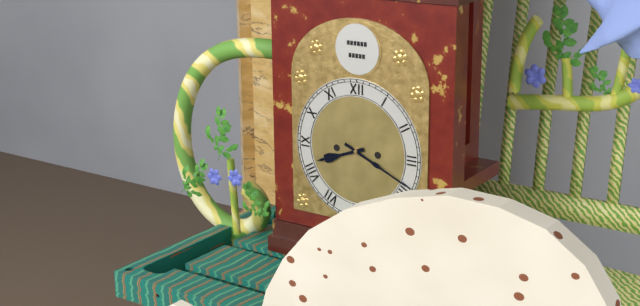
8:19
